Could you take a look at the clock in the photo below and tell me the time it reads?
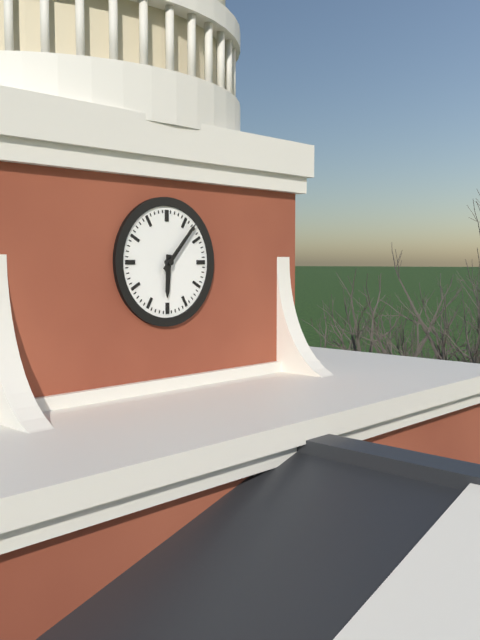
6:07
